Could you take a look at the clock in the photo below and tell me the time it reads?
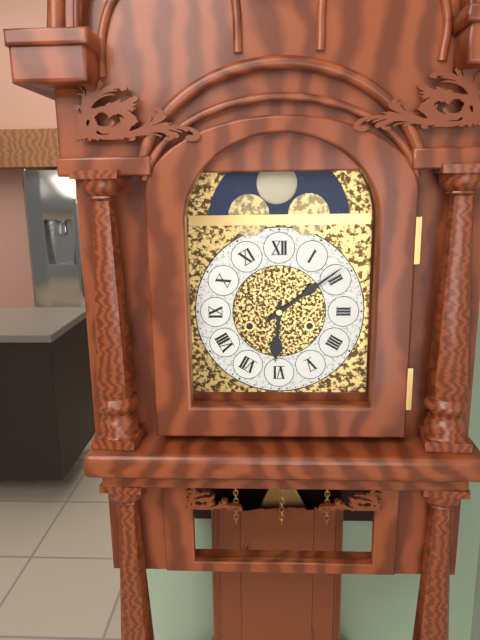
6:09
